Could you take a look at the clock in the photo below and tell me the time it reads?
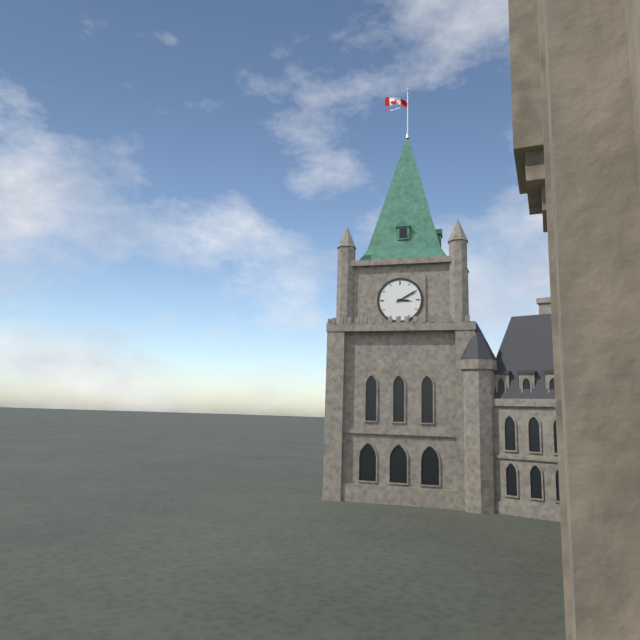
3:10
